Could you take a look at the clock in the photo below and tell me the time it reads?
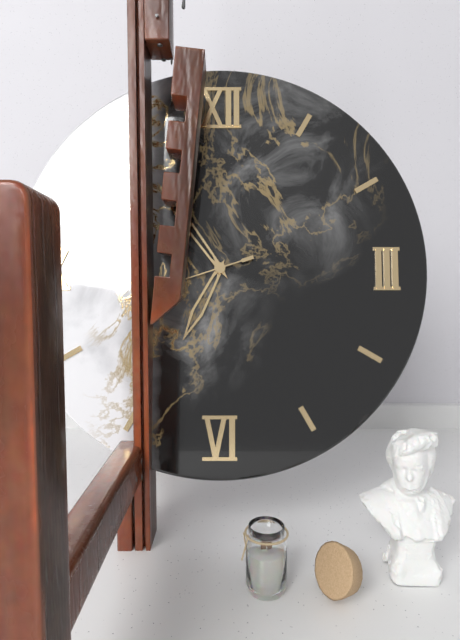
6:54
